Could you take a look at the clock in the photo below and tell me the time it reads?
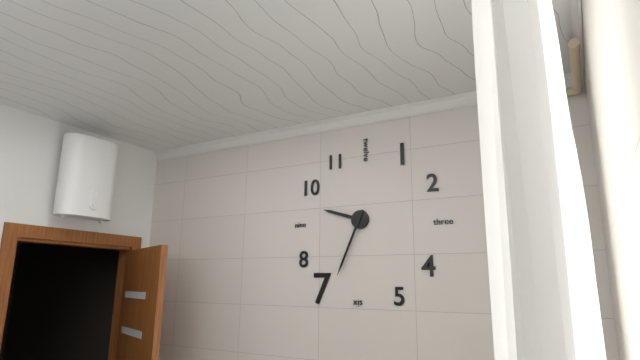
9:34
